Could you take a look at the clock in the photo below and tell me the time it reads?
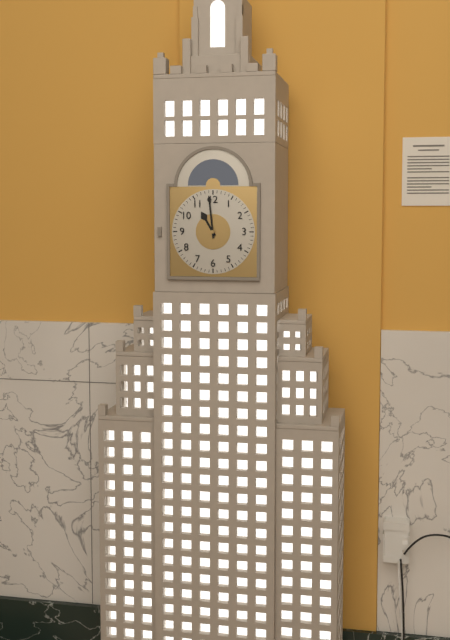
10:59
